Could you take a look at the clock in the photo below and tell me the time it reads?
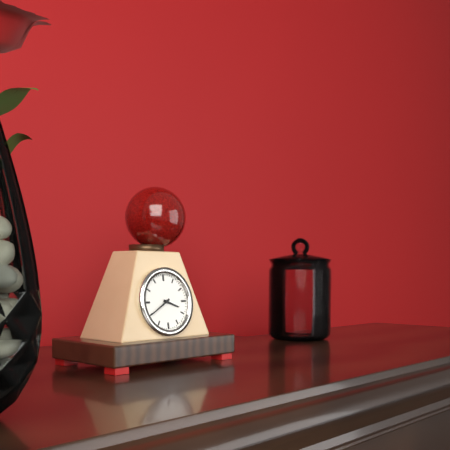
3:40
